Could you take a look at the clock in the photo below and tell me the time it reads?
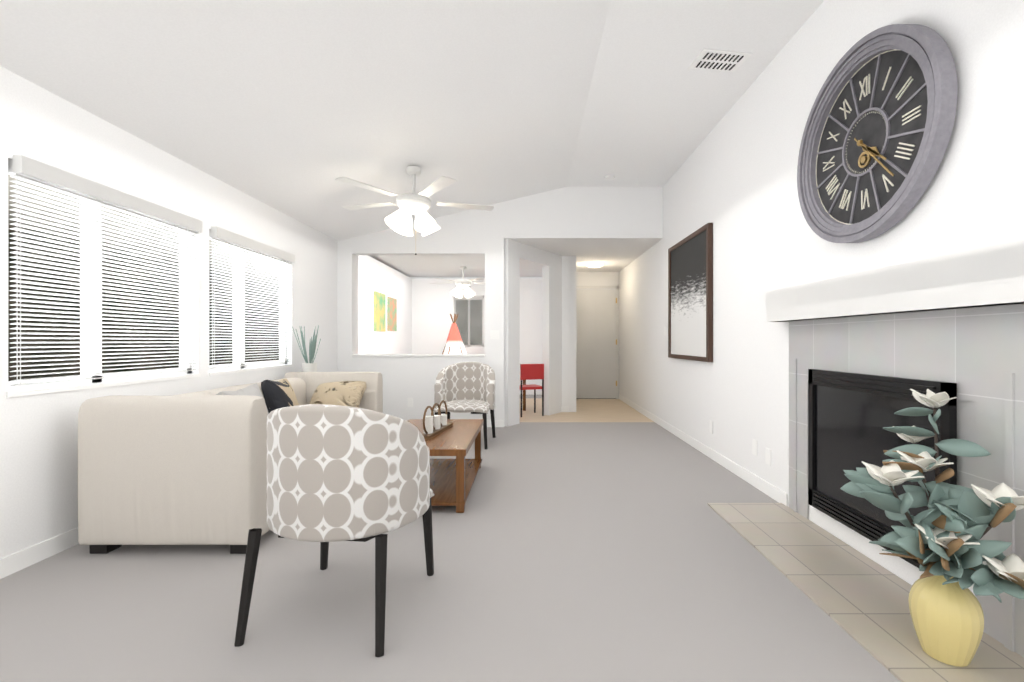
4:23
